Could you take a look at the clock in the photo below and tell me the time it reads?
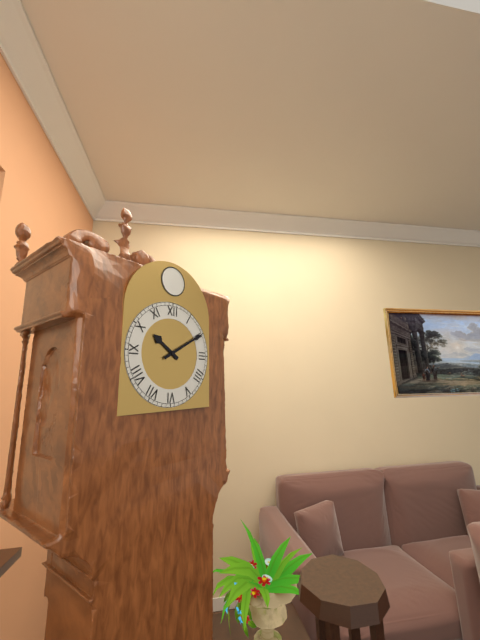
10:10
